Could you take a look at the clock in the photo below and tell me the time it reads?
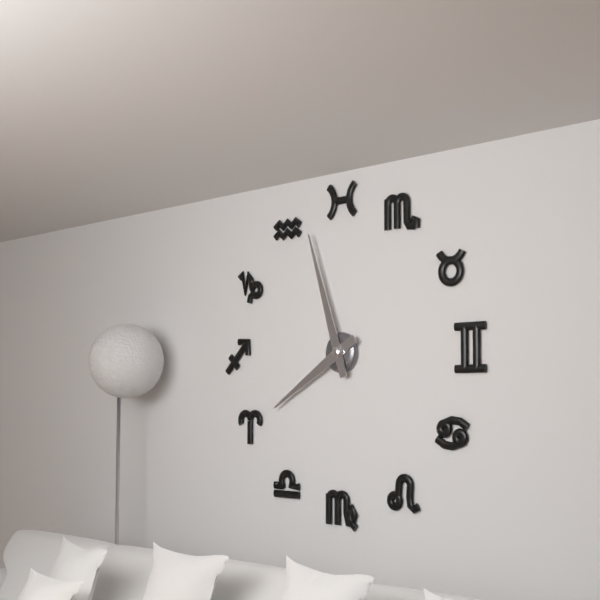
7:57
